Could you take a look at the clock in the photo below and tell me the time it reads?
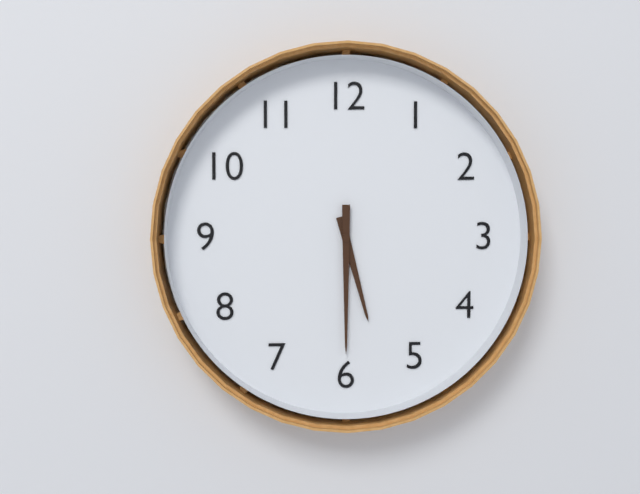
5:30
